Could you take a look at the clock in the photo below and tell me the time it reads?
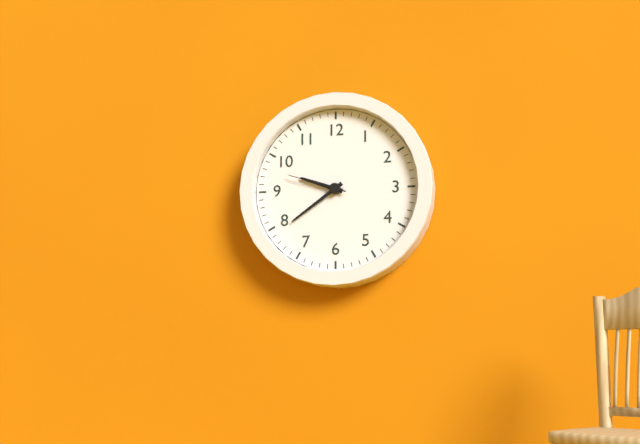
9:39:48
